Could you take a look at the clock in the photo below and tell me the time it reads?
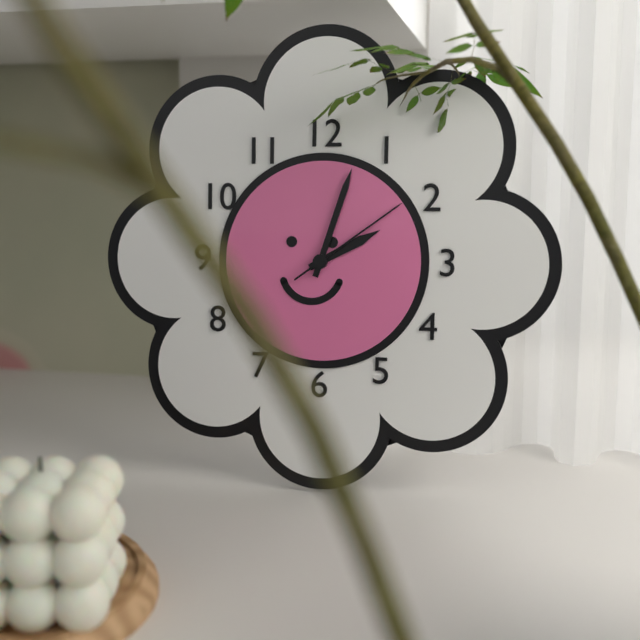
2:03:09
